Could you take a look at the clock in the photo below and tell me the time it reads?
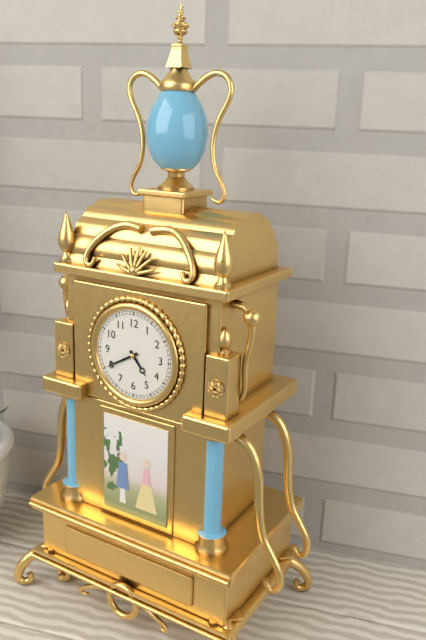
4:40
